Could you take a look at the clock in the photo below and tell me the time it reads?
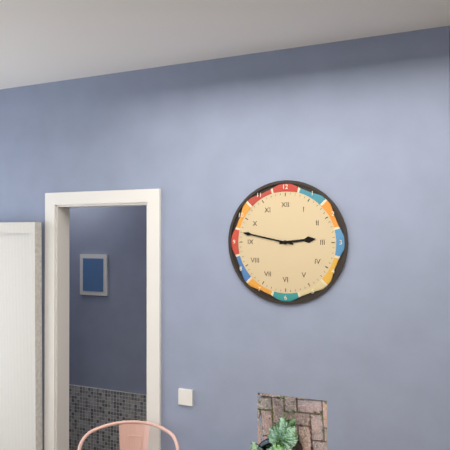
2:47
